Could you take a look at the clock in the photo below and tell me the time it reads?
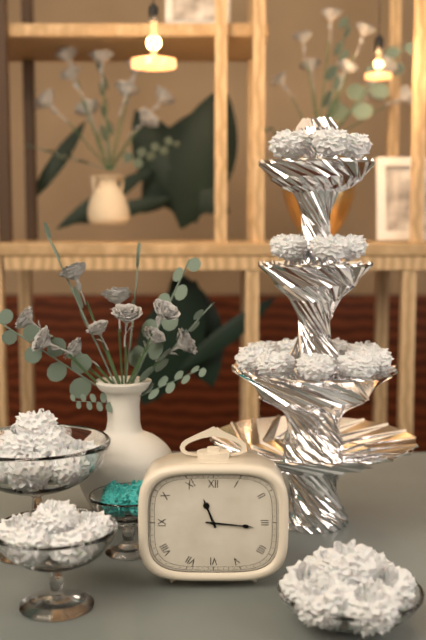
11:16
